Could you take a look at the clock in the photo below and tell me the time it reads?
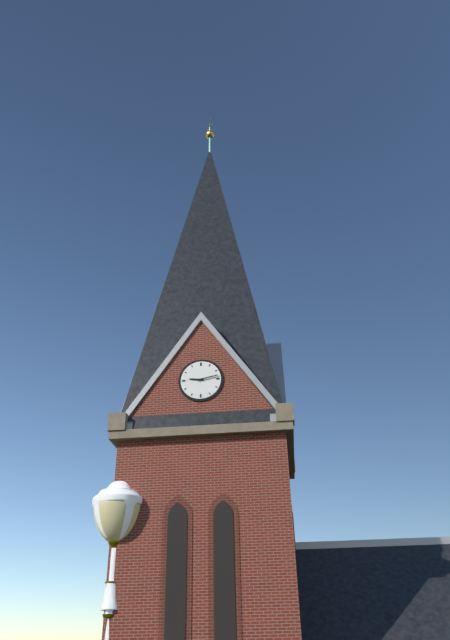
9:13
